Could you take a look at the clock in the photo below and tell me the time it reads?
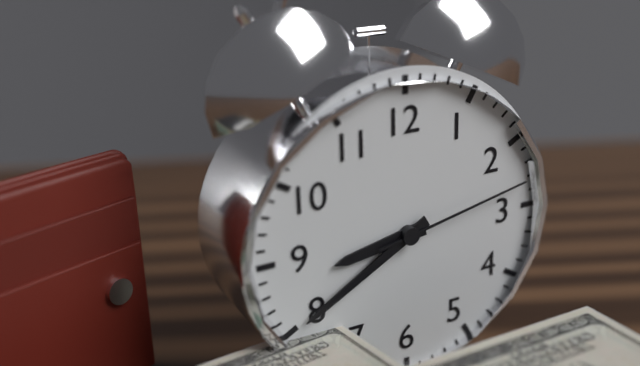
8:40:13
